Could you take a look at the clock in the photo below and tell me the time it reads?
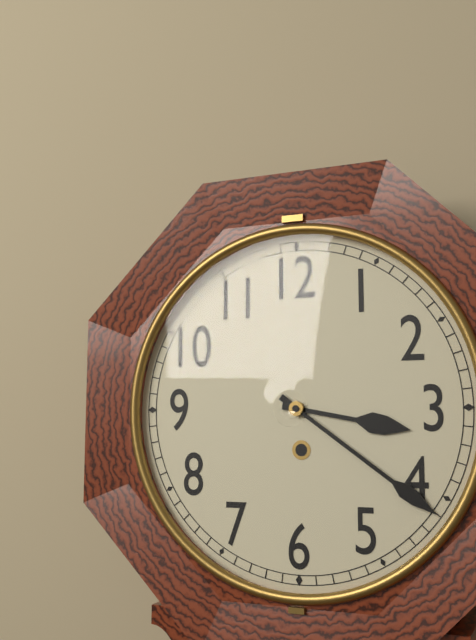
3:21
